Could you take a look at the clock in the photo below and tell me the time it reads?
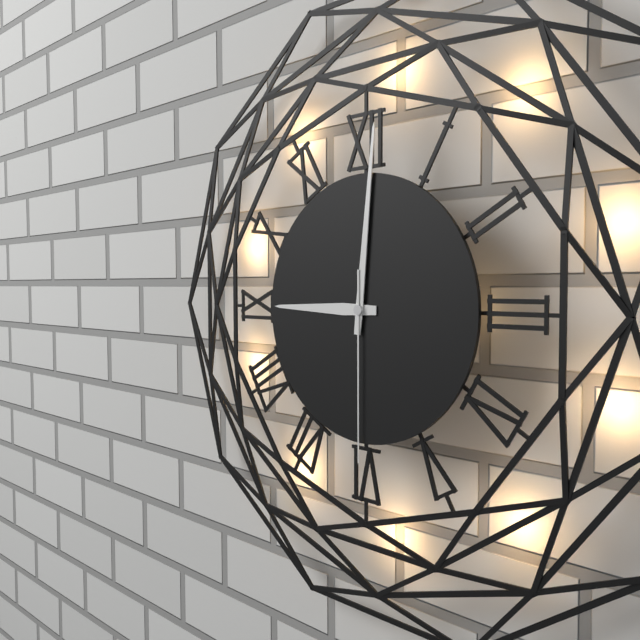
9:01:30
